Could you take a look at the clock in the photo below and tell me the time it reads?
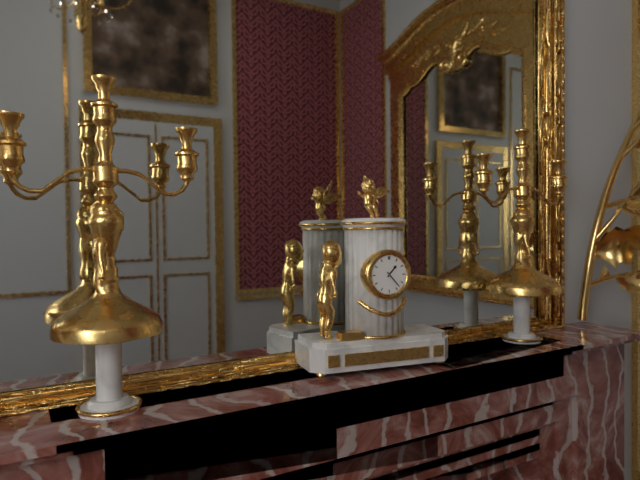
1:23
